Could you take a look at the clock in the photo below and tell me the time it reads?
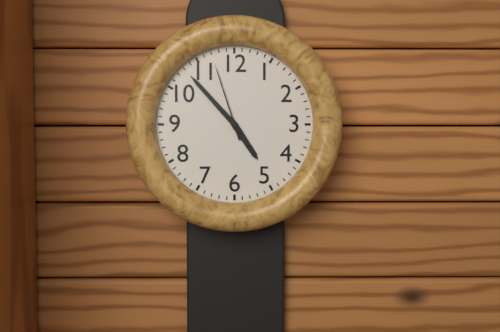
4:53:57
